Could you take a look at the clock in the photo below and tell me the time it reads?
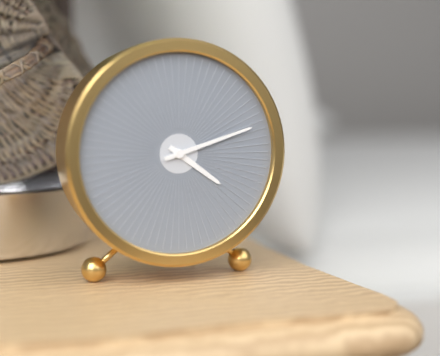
4:12
